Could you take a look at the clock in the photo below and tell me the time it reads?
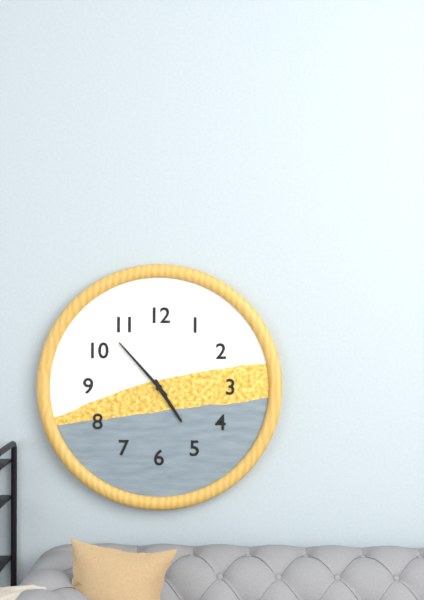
4:53
